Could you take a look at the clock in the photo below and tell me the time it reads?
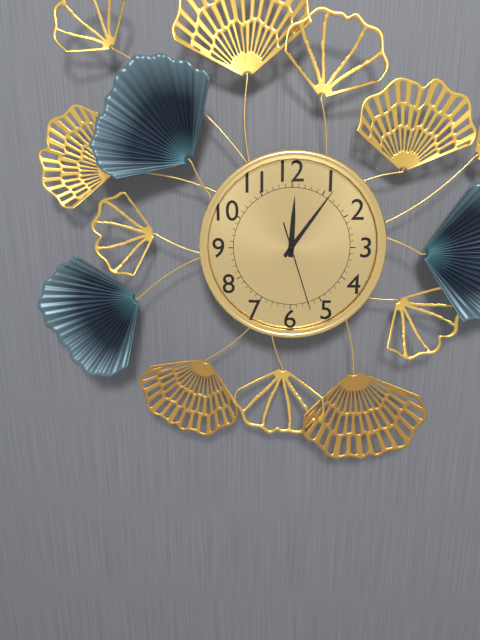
12:06:27
